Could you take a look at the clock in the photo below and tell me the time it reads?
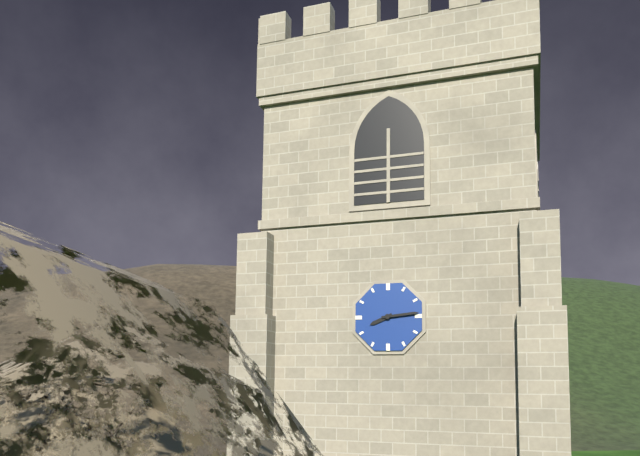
8:14
